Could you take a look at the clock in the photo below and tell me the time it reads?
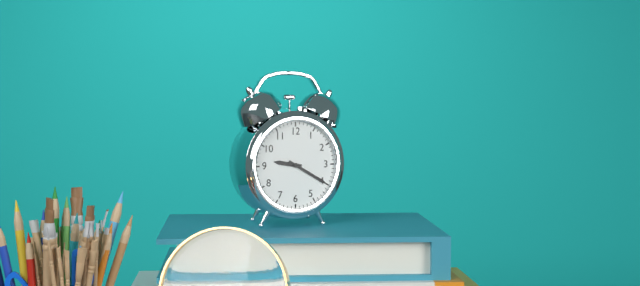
9:20
